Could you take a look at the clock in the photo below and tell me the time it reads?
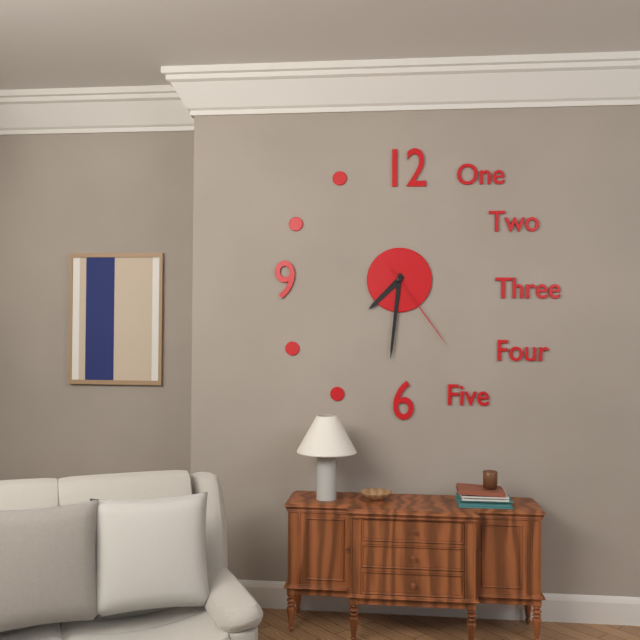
7:31:24
